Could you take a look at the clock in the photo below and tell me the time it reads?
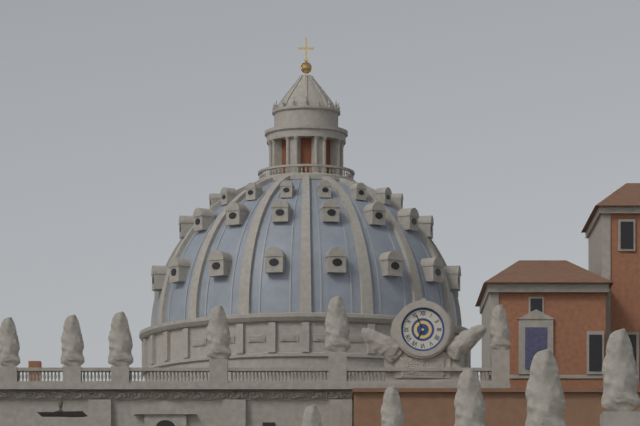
6:56
